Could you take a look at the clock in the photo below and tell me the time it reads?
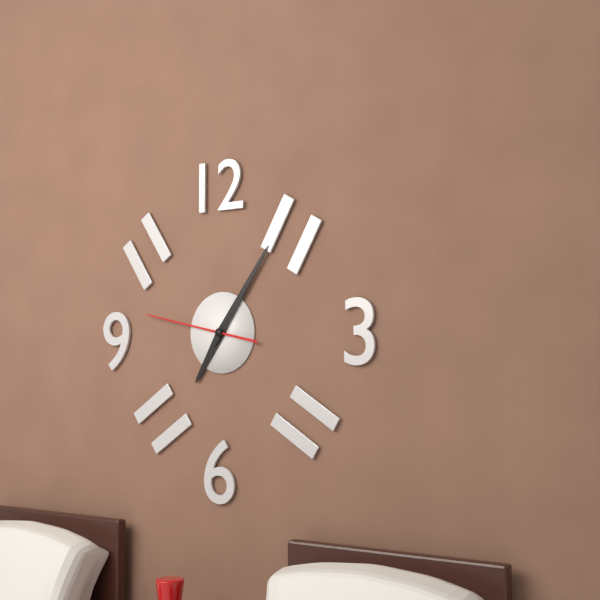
7:06:47
